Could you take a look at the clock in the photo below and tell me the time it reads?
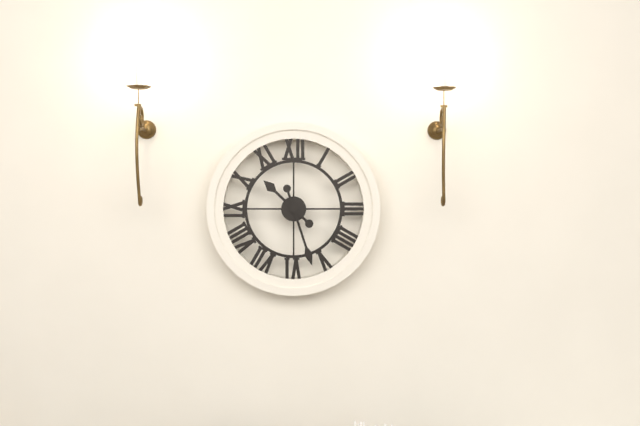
10:27
